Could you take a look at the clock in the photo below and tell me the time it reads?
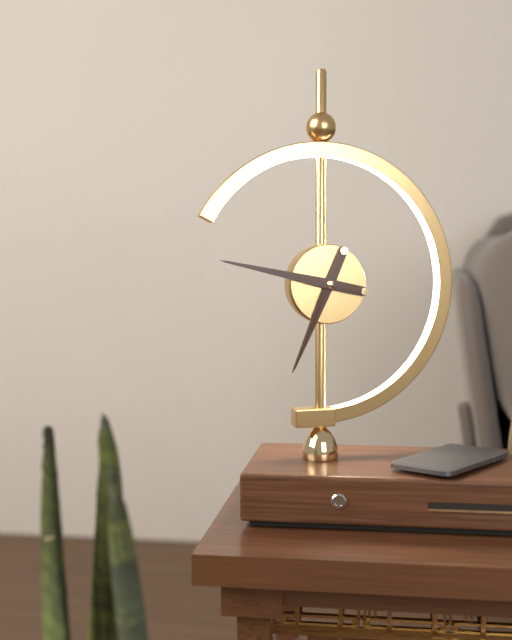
6:47
